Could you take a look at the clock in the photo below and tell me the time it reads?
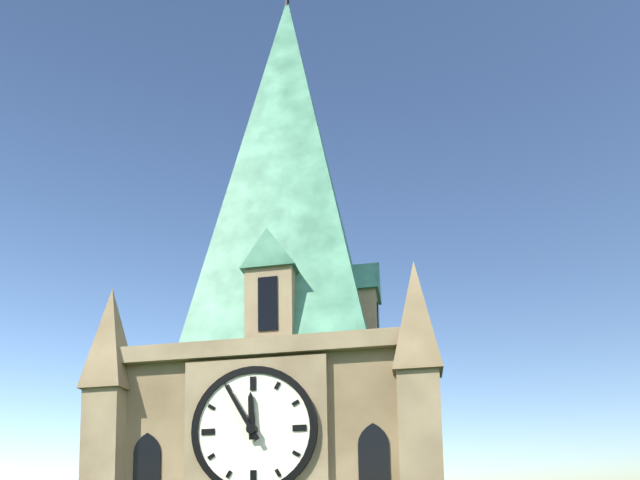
11:55
